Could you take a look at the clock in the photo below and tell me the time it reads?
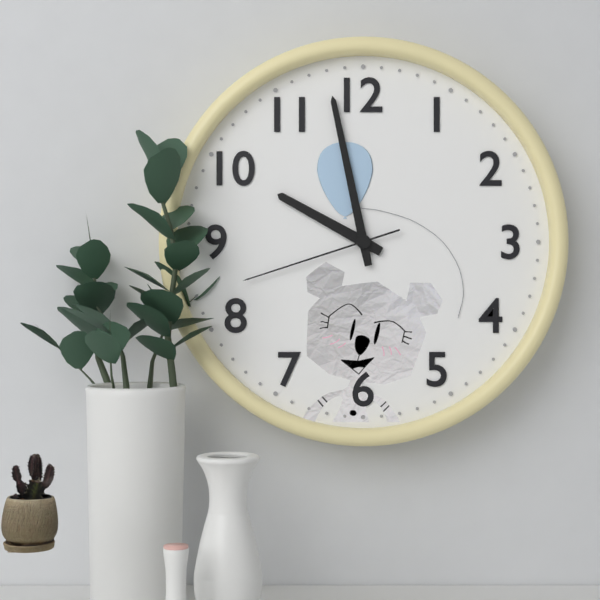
9:58:42
